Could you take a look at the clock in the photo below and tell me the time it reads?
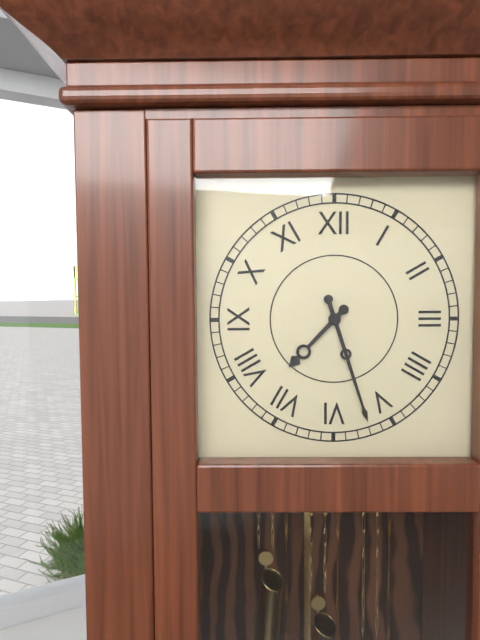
7:27
